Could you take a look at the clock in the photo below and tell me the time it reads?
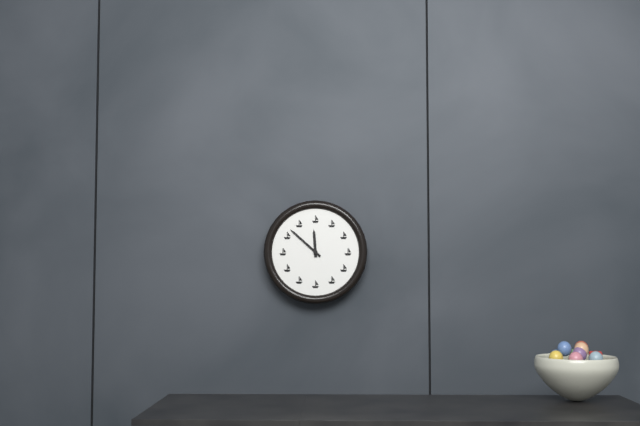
11:52
